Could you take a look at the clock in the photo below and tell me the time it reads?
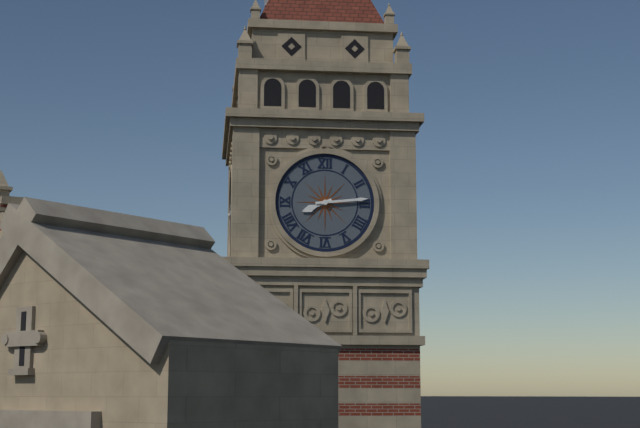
8:14
